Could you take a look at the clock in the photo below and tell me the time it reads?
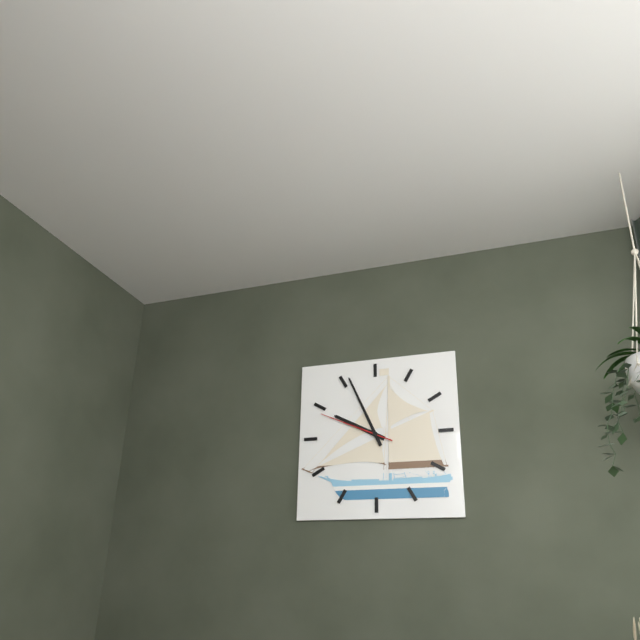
9:56:49
